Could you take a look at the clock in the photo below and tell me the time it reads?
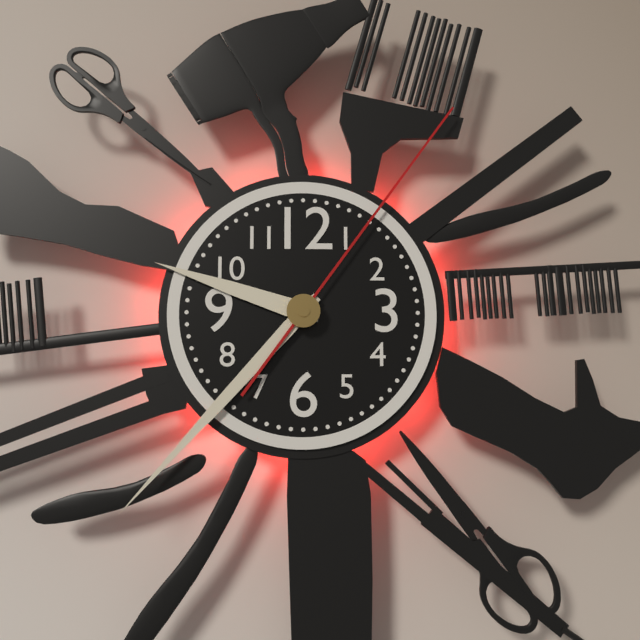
9:37:06
